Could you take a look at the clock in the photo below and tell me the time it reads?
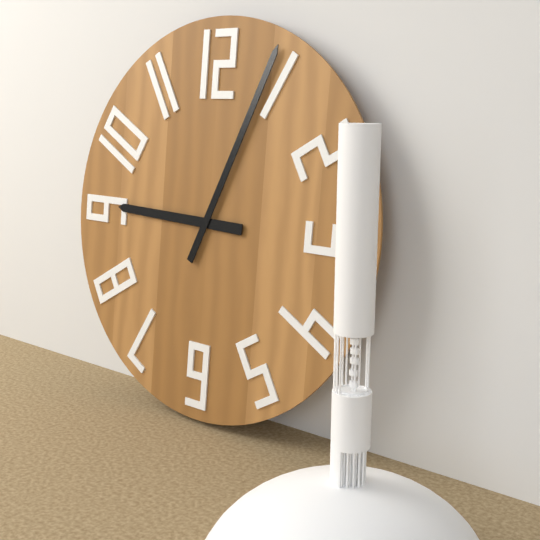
9:04
